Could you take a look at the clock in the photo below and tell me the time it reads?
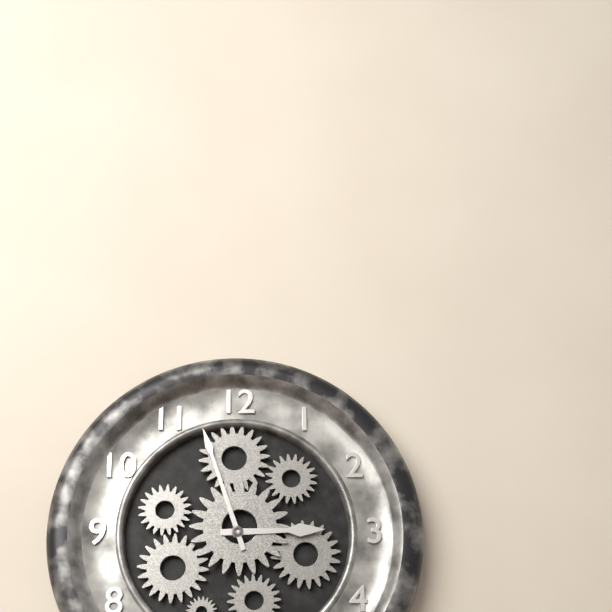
2:57
